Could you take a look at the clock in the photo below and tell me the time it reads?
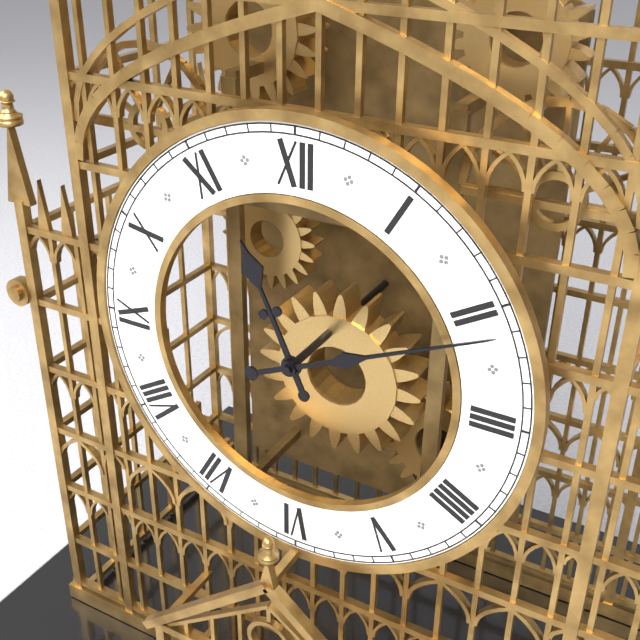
11:11
